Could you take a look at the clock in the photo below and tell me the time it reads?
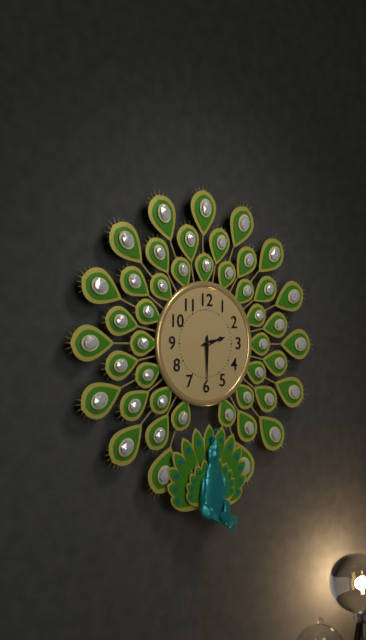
2:30
